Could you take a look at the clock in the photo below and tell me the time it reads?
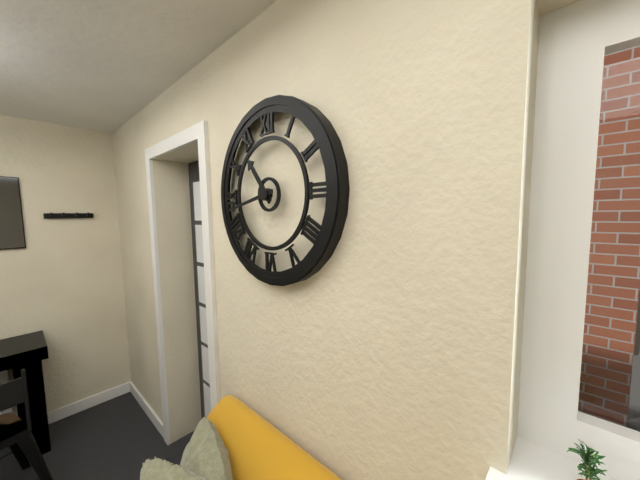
10:43
